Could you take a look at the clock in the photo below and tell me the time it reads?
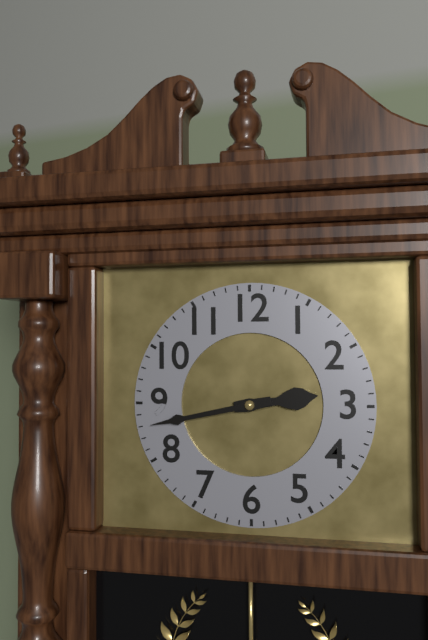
2:43
